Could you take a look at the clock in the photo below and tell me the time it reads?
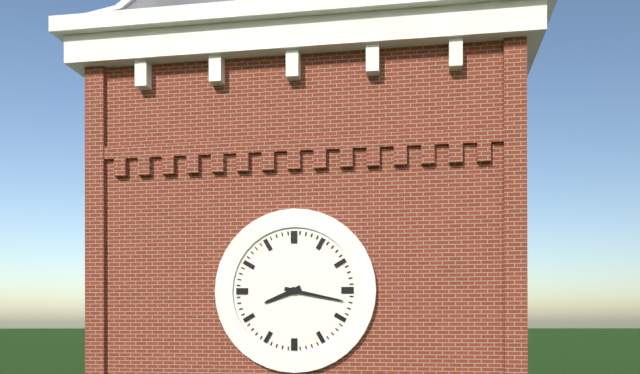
8:17
